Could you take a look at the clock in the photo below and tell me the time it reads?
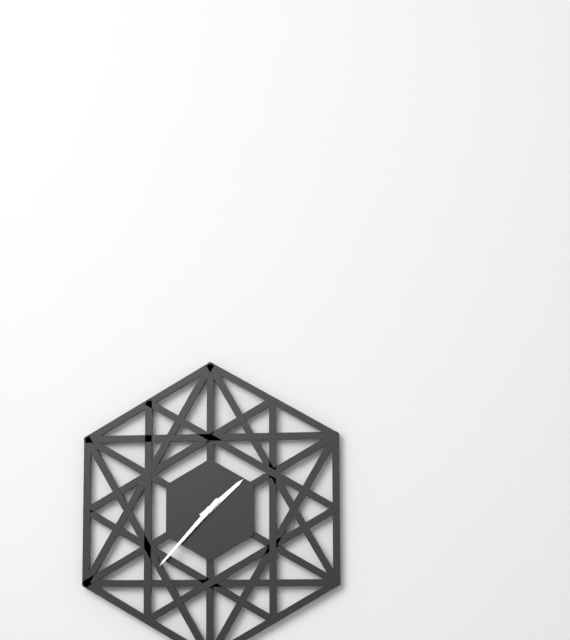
1:37
